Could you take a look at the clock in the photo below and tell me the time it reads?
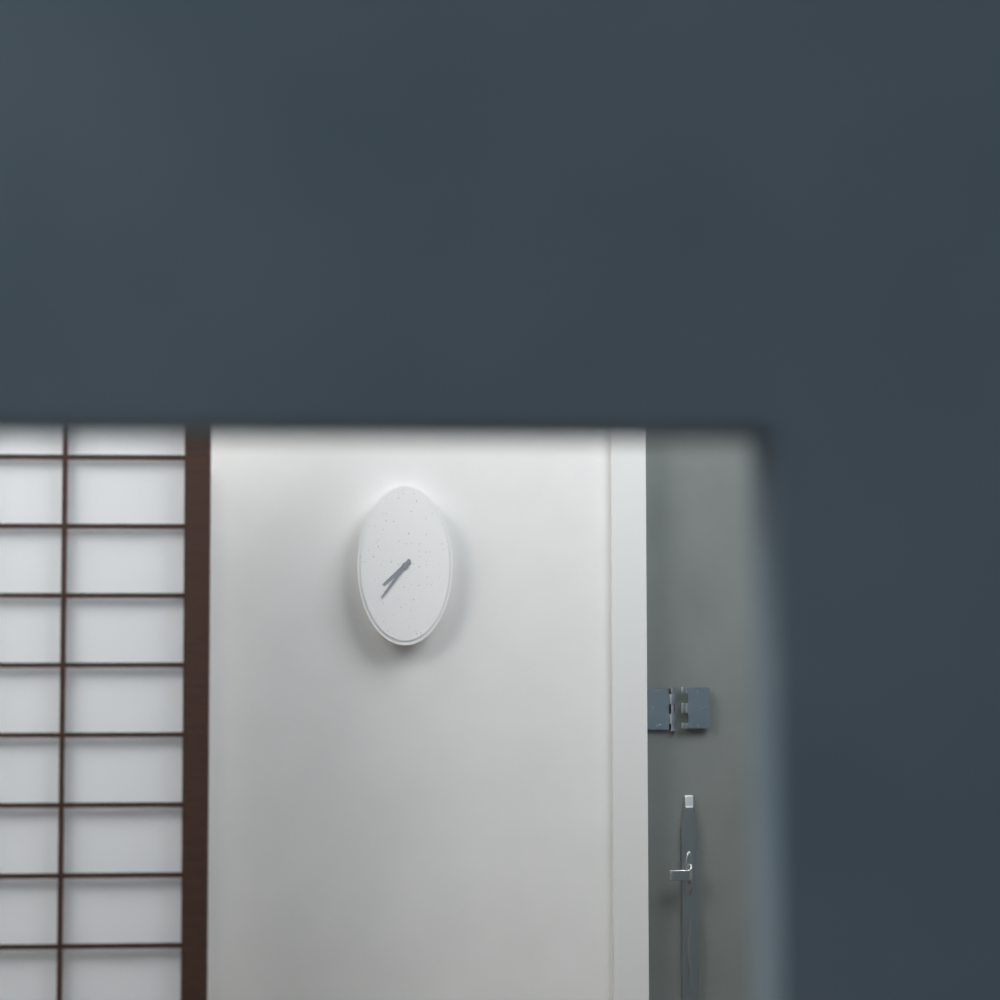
7:36
